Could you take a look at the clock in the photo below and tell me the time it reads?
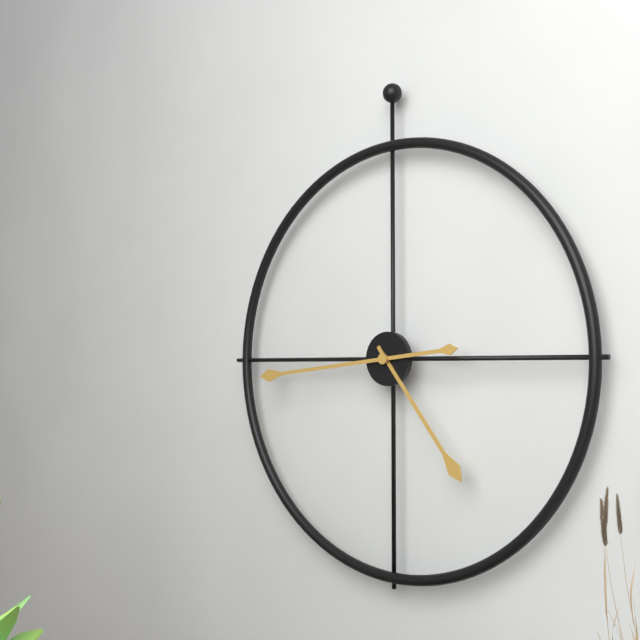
4:44
